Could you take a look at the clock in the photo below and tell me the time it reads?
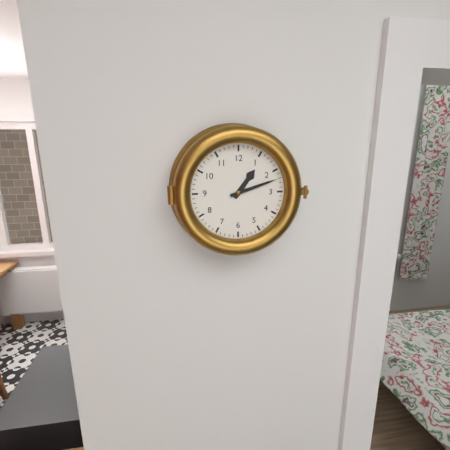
1:12
